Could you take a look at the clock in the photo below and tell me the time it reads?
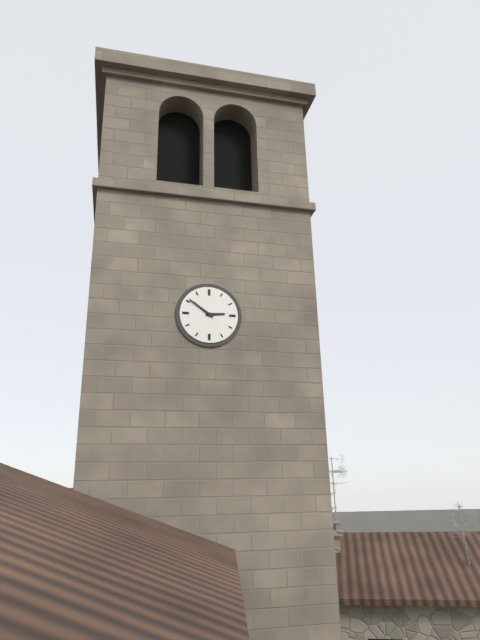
2:51
